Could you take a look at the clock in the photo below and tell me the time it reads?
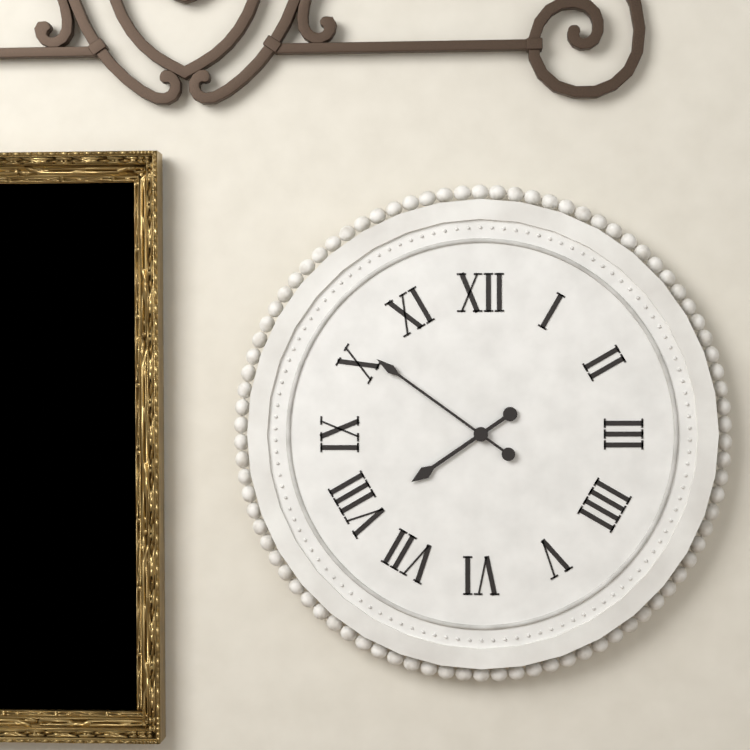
7:51
